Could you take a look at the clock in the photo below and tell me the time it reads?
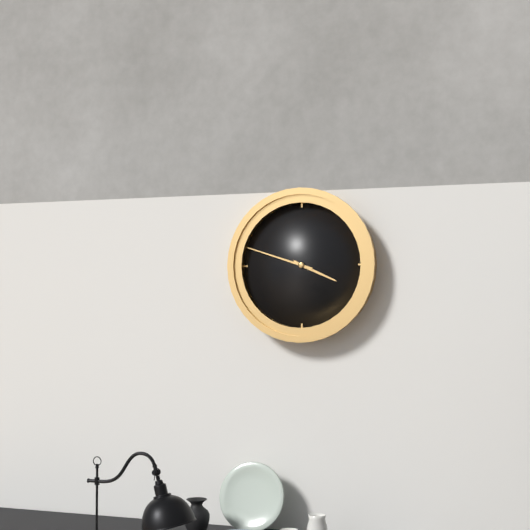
3:48
